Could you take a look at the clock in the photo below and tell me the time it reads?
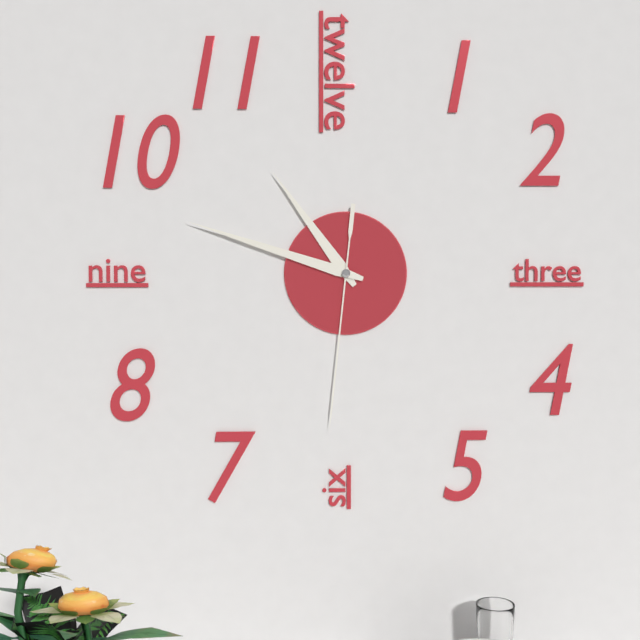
10:48:31
